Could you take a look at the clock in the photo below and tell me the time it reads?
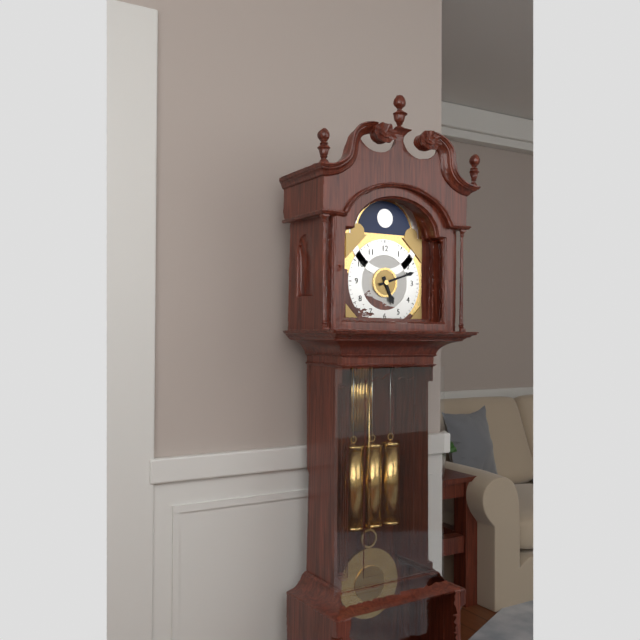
5:12
